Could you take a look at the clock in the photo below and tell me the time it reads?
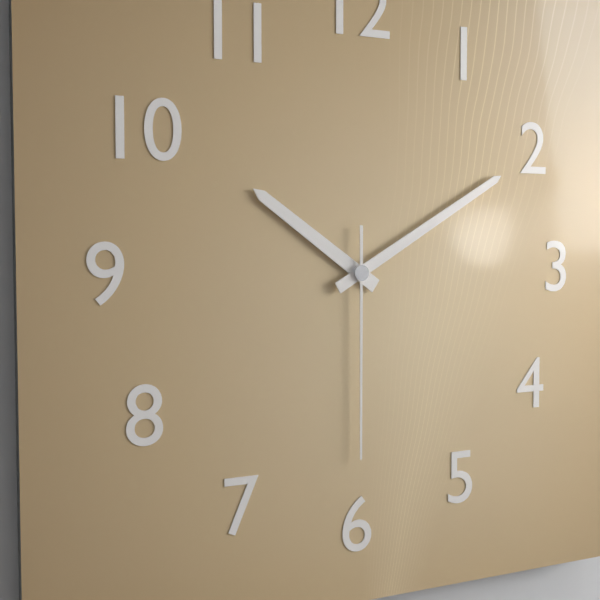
10:10:30
